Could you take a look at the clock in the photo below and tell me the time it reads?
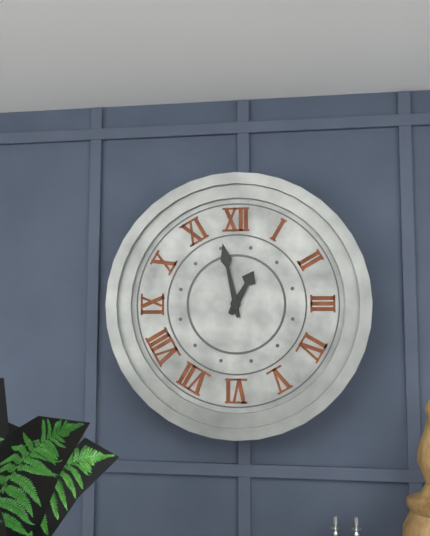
12:58
